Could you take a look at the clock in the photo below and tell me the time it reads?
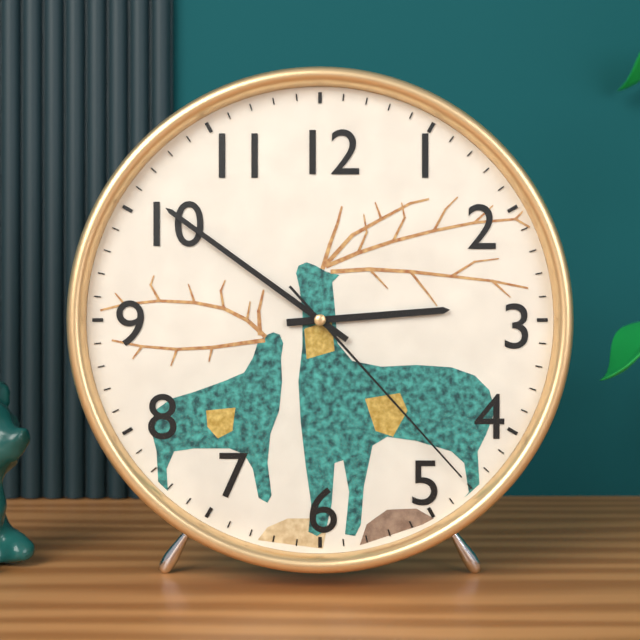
2:51:23
